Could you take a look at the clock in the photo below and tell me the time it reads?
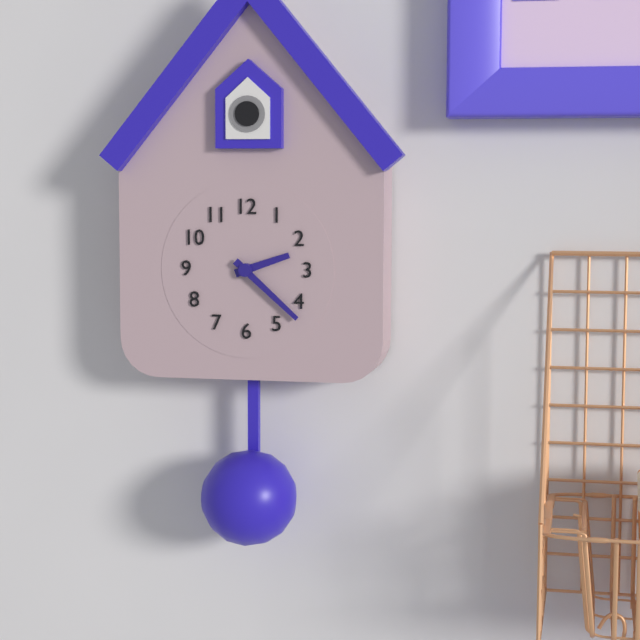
2:22
